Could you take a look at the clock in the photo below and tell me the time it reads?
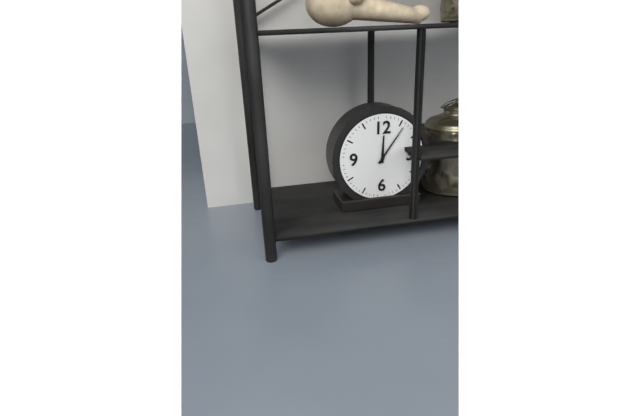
12:06
